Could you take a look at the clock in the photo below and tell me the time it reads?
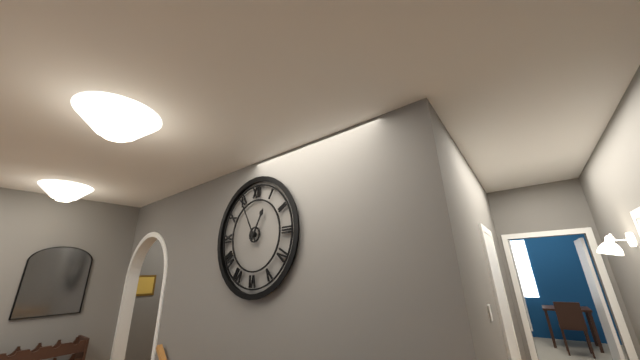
12:55
